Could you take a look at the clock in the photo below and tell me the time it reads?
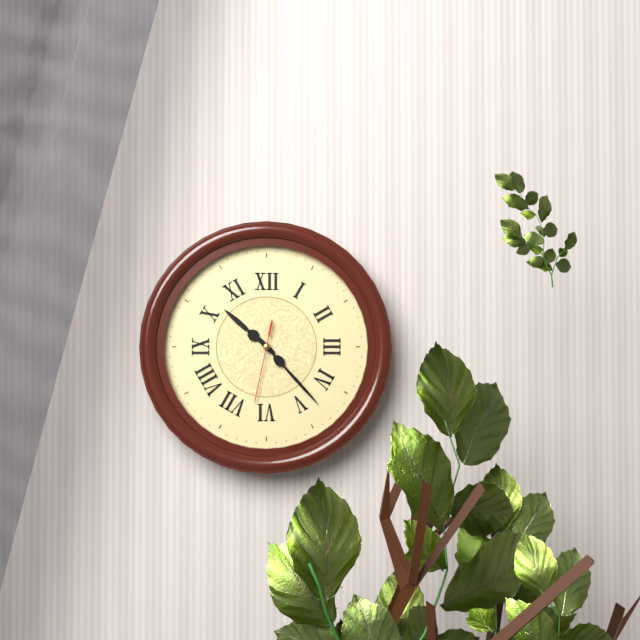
10:23:32
